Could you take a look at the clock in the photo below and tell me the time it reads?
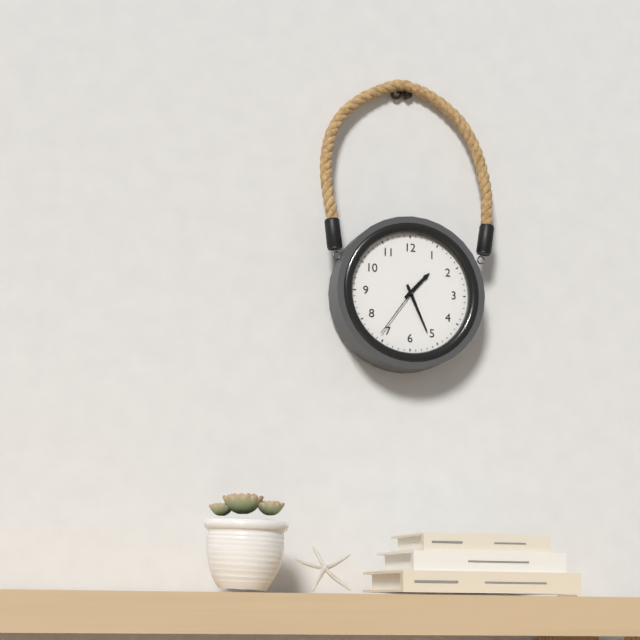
1:26:36
